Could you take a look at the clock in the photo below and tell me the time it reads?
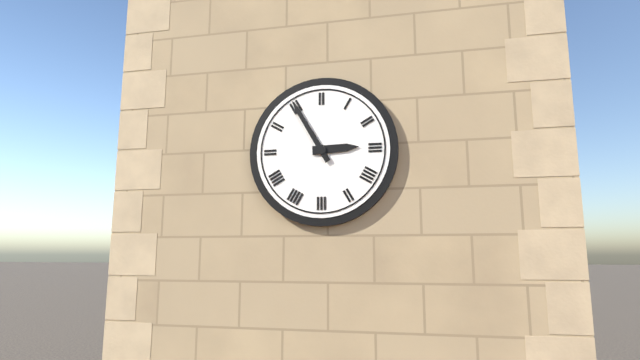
2:55
